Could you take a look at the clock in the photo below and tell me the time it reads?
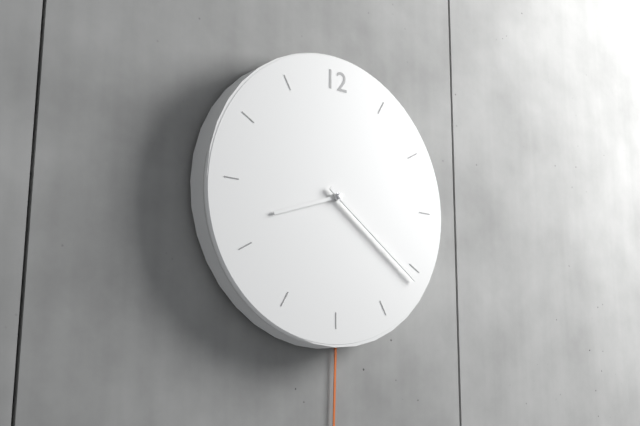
8:21
